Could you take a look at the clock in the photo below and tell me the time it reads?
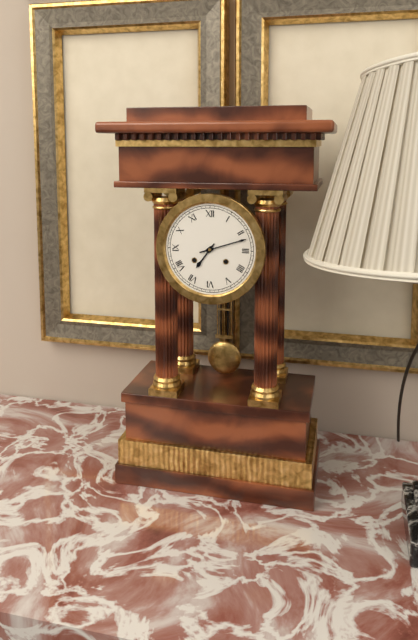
7:12
